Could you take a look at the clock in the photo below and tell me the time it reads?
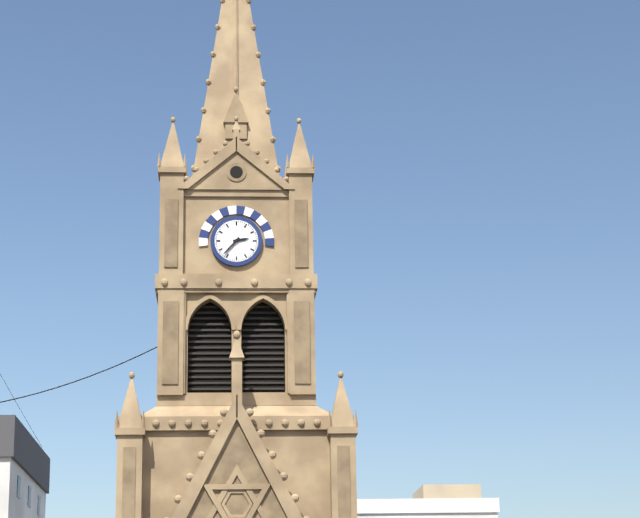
2:37
